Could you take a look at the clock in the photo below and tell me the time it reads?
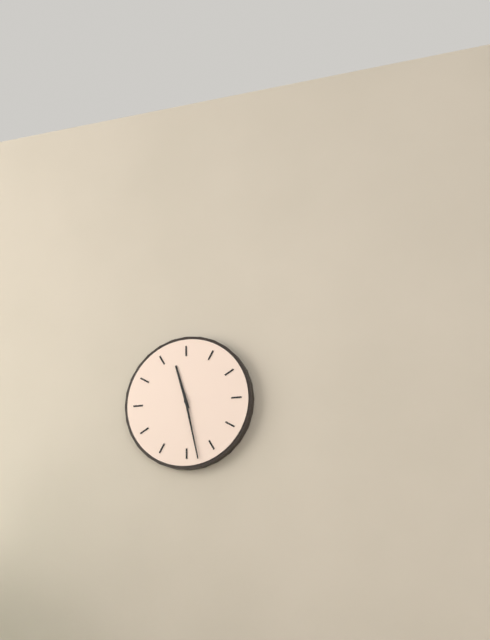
11:28
